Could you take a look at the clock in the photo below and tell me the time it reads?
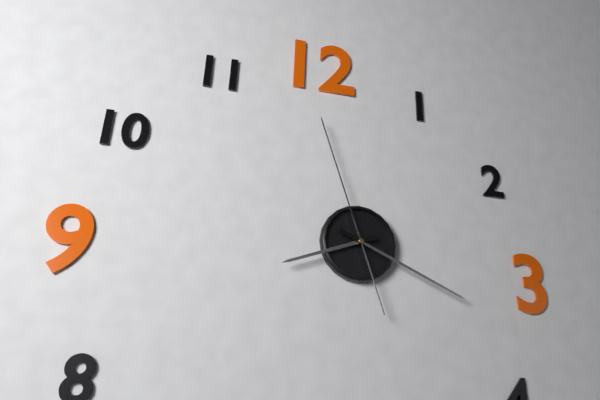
8:19:57
